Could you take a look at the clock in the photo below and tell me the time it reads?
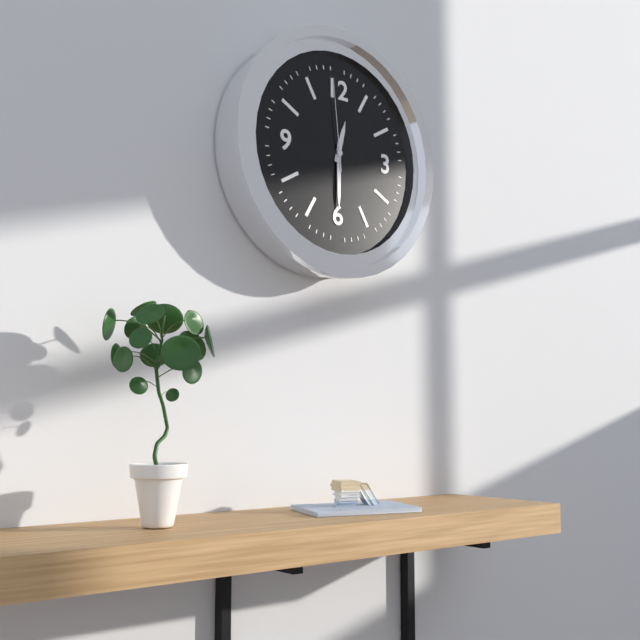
12:30:59
